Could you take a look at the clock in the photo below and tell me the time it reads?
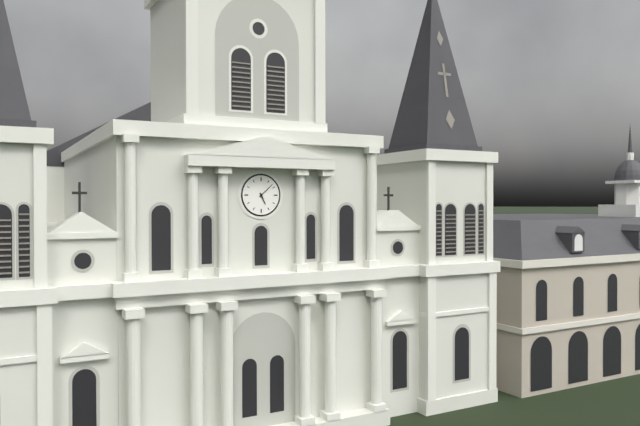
5:08
